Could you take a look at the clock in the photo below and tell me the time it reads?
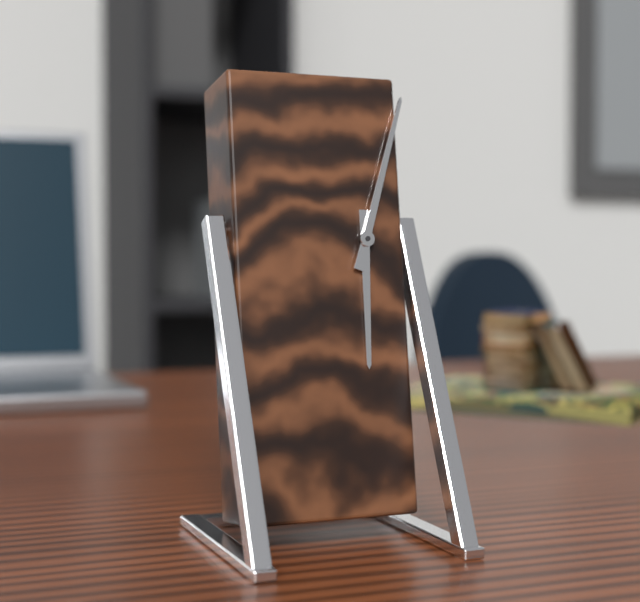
6:03
